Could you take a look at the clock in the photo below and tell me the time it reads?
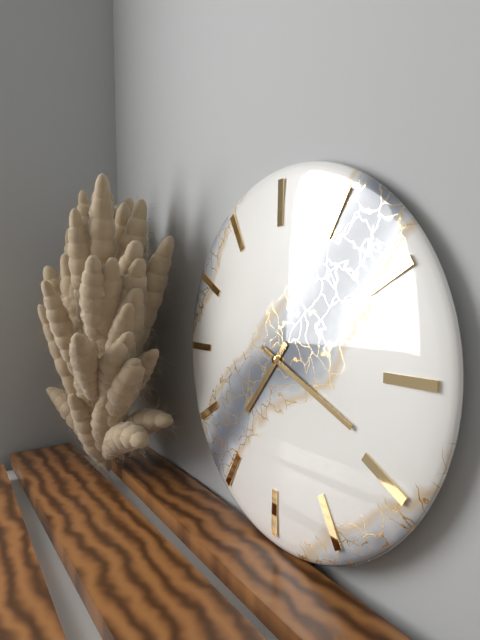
7:19
